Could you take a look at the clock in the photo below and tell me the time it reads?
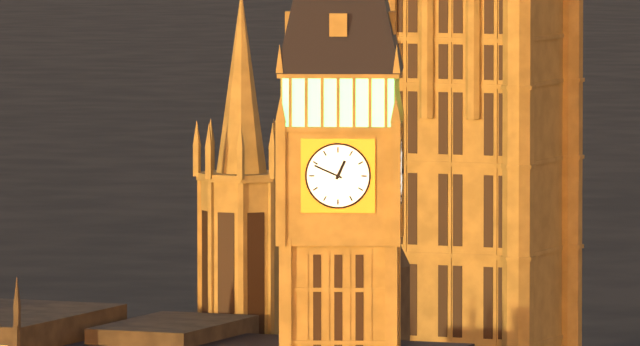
12:49
